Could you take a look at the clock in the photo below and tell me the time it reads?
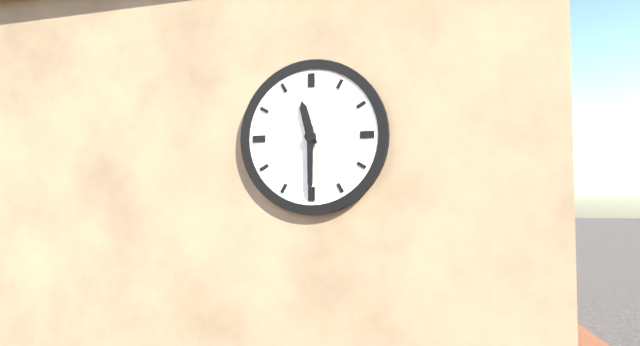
11:30
